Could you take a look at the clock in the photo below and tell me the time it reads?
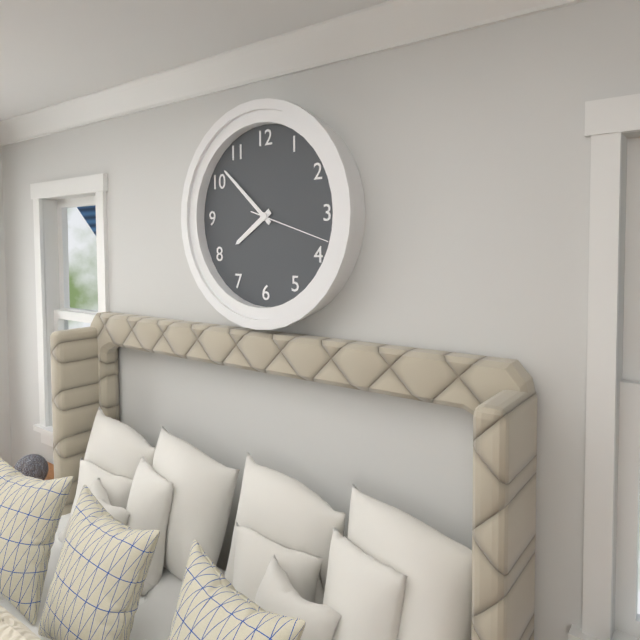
7:52:18
